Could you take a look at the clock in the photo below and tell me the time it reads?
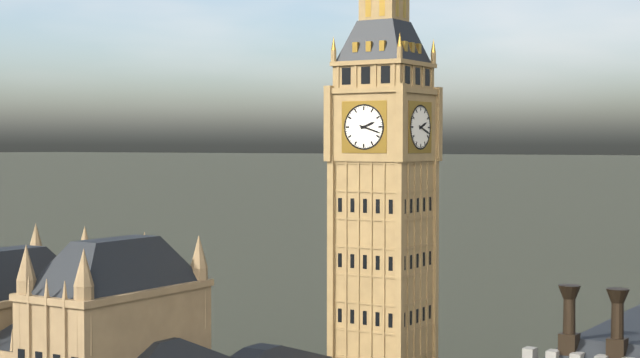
2:18
